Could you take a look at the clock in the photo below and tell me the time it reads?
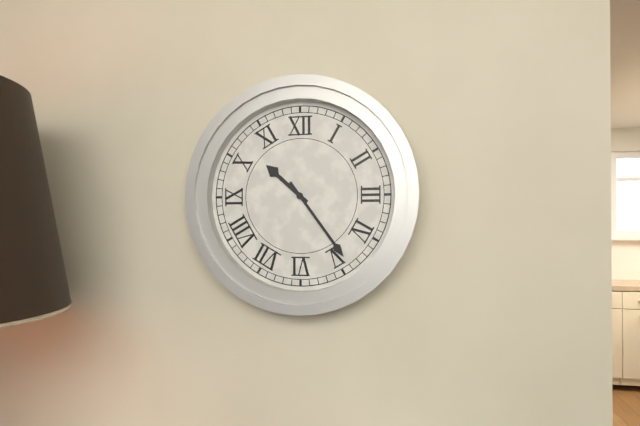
10:24
